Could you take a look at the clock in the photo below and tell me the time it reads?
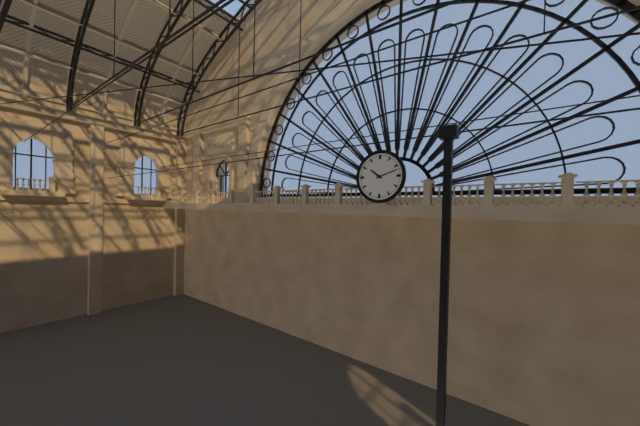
10:12
